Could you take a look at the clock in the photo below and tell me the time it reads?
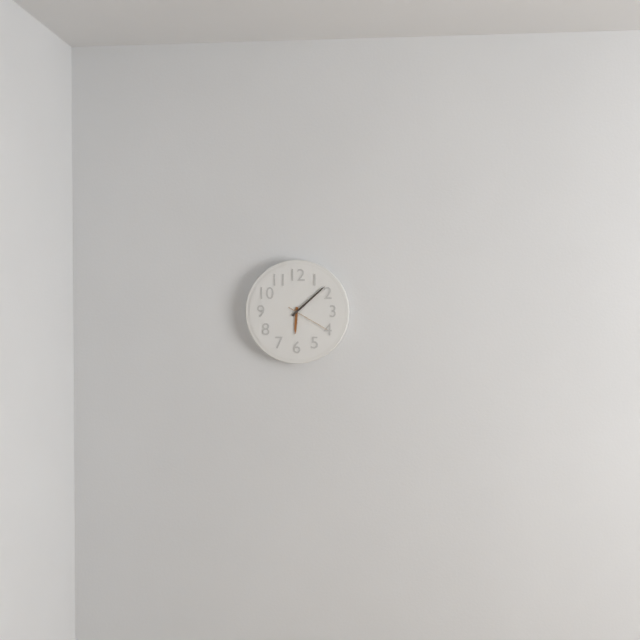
6:08
